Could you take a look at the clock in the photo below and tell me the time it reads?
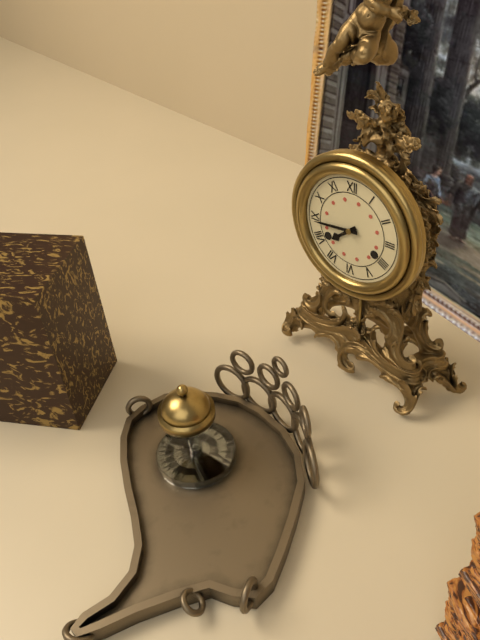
7:44
